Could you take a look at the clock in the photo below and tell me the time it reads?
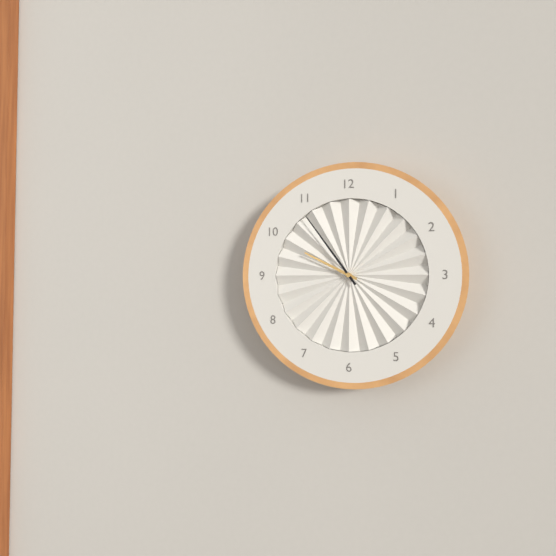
9:54
